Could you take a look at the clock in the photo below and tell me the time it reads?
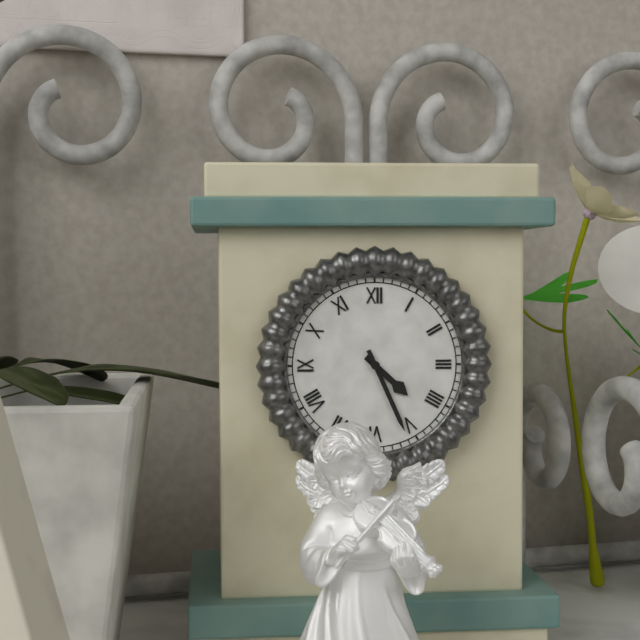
4:26
